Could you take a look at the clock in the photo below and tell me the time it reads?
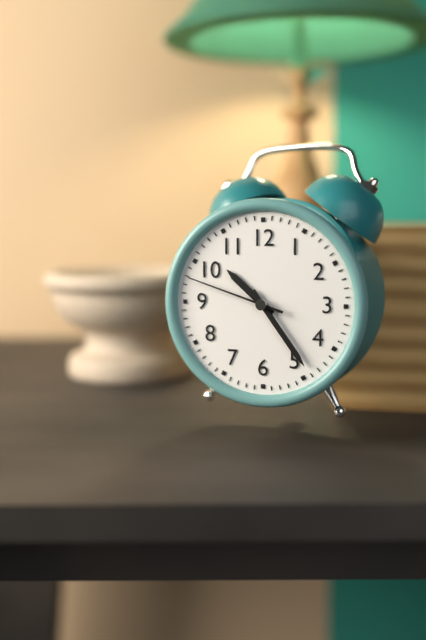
10:24:48
